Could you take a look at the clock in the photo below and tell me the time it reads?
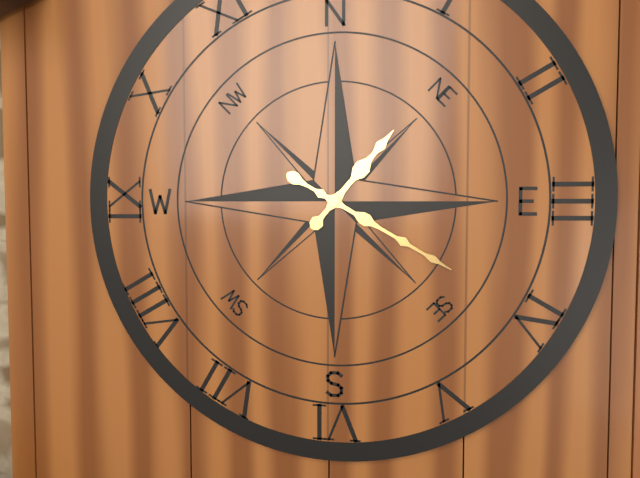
1:20
